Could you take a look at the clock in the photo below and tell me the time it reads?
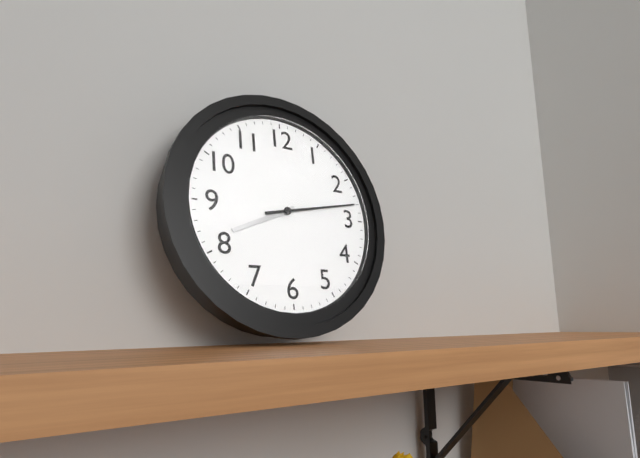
8:13
